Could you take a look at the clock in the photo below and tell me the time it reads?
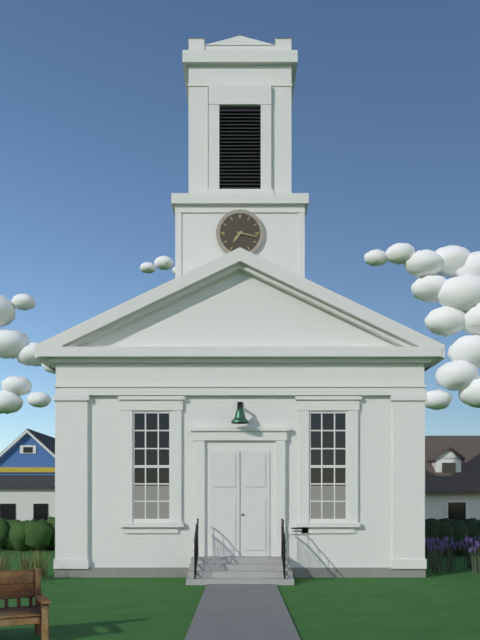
7:17
